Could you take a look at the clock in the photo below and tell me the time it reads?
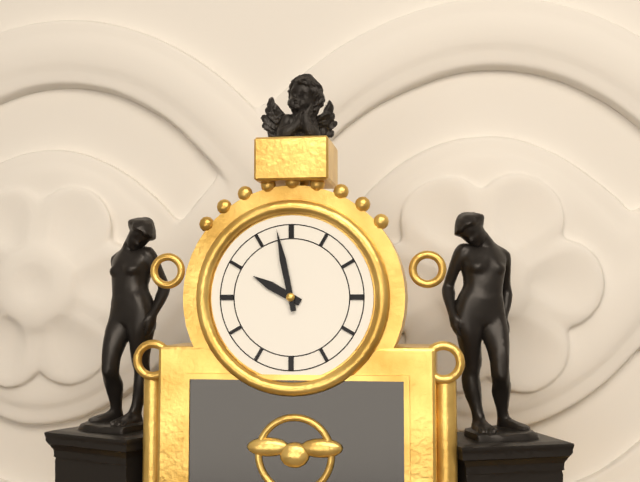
9:58
